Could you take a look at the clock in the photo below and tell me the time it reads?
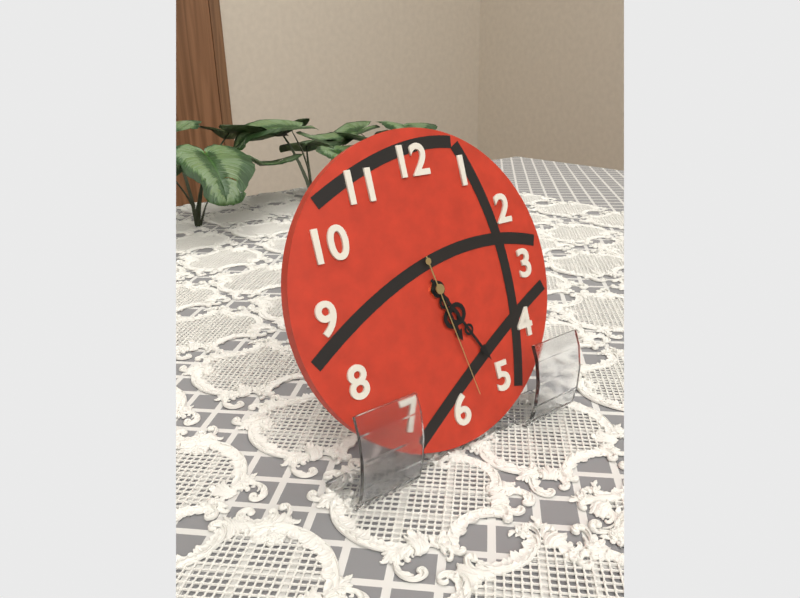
5:25:28
